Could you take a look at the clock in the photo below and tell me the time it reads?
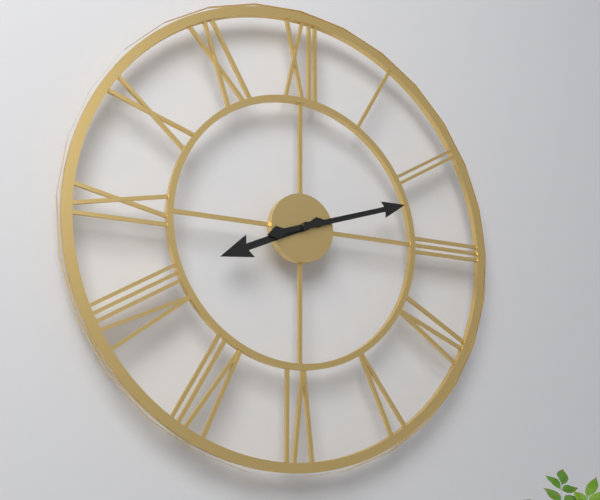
8:12
